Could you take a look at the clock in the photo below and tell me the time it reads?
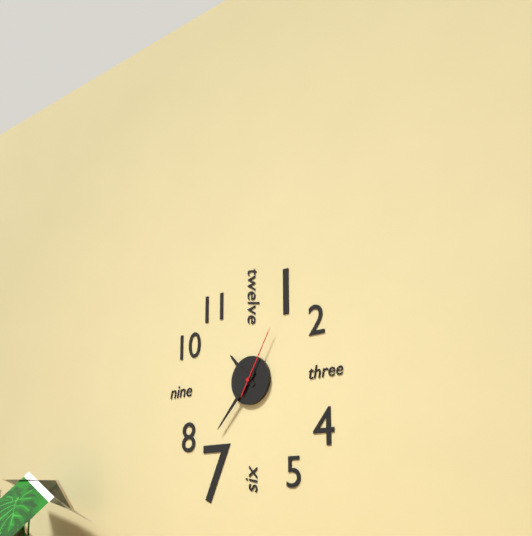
10:37:05
